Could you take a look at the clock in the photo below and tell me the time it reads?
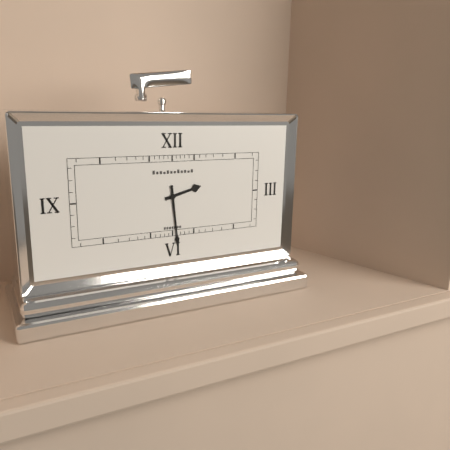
2:29
